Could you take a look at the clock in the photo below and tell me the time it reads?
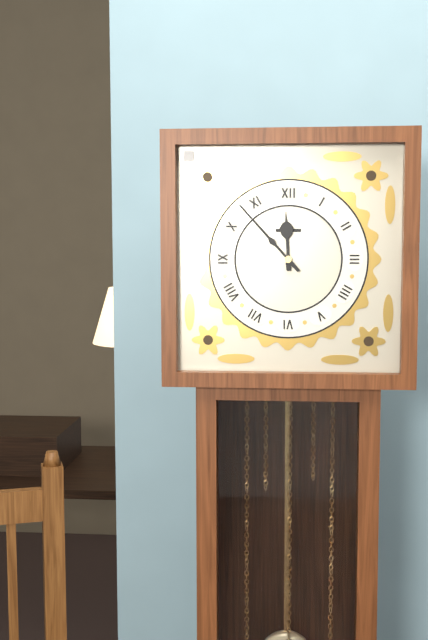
11:53
